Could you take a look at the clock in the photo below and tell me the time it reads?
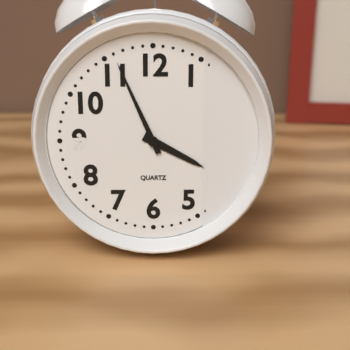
3:56
